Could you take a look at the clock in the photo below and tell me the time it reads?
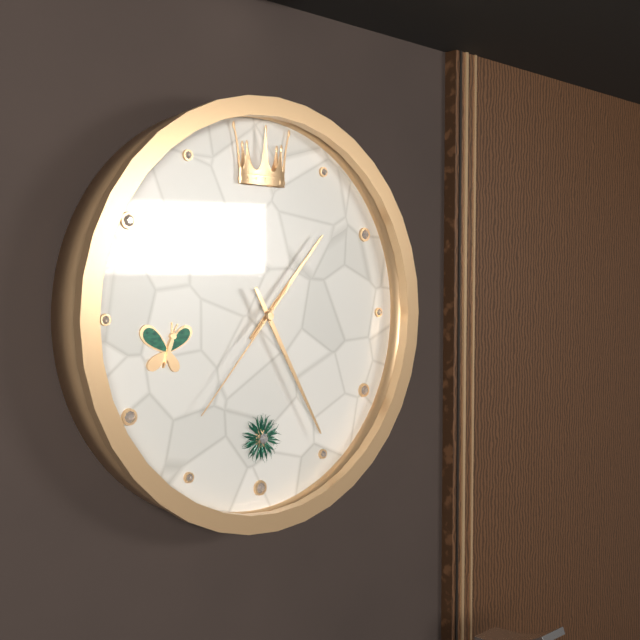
1:25:37
